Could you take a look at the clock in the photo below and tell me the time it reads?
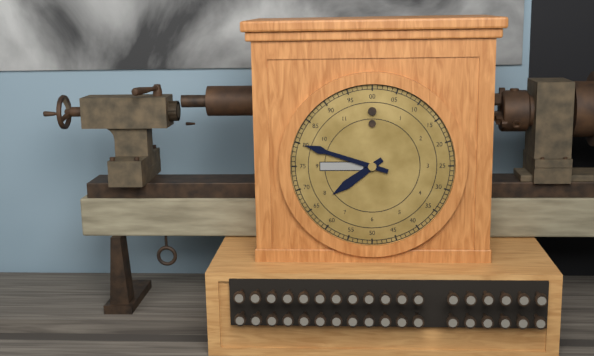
7:48
